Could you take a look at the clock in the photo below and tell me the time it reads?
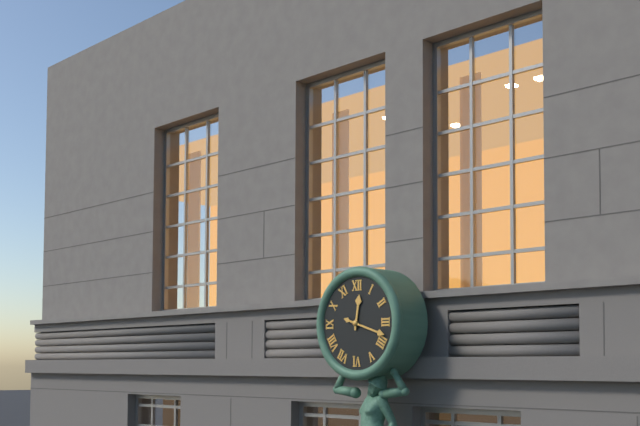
12:18
